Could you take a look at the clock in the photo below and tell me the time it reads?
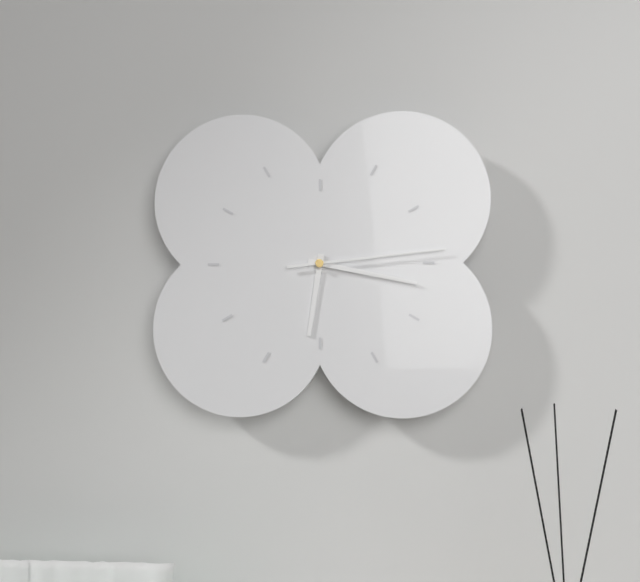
6:17:14
